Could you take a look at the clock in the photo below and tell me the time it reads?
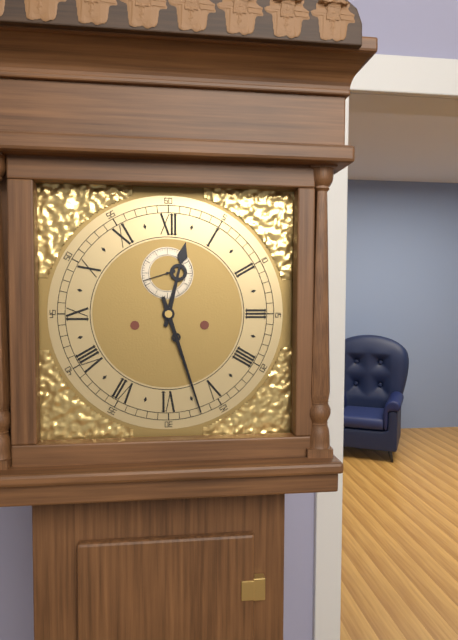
12:27
